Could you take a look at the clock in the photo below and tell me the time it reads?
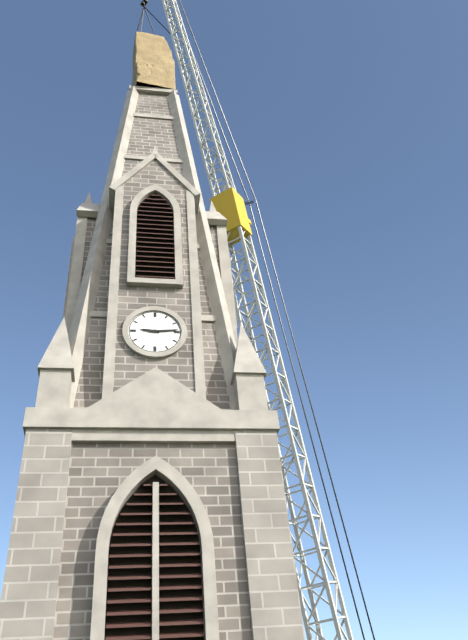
9:14
